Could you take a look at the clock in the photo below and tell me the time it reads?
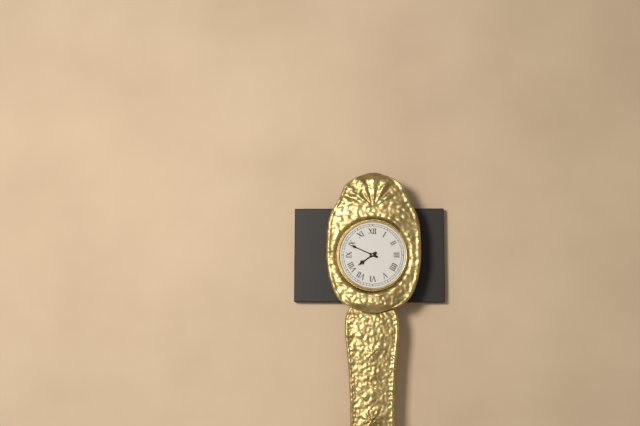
7:49
